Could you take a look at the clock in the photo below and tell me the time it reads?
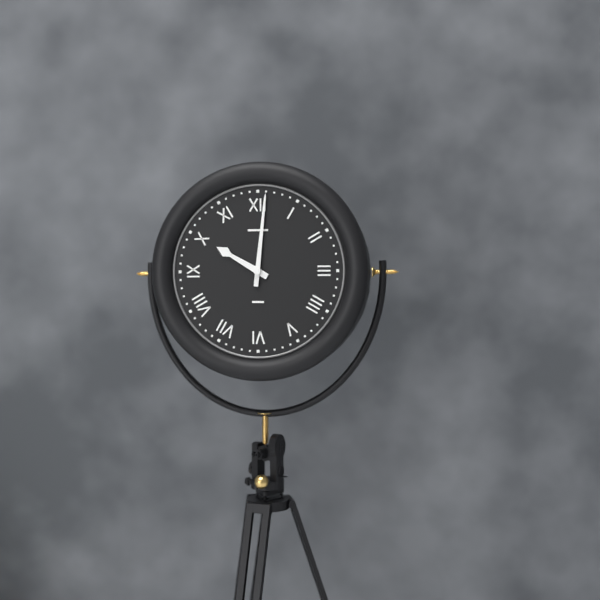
10:01
